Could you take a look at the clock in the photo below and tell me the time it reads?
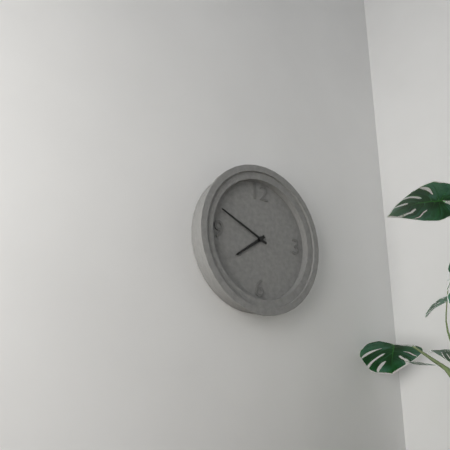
7:49
